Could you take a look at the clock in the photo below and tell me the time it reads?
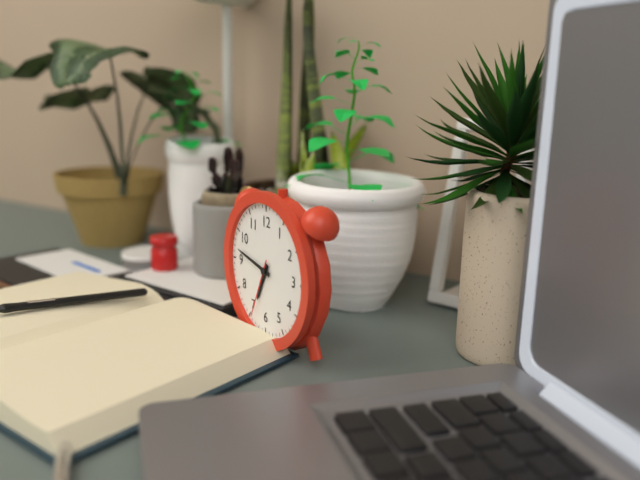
6:47:34
